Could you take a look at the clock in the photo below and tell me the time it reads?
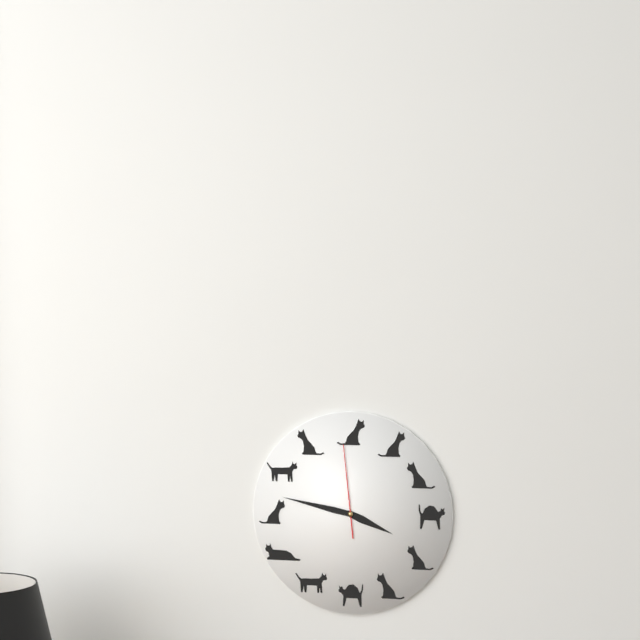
3:47:59
